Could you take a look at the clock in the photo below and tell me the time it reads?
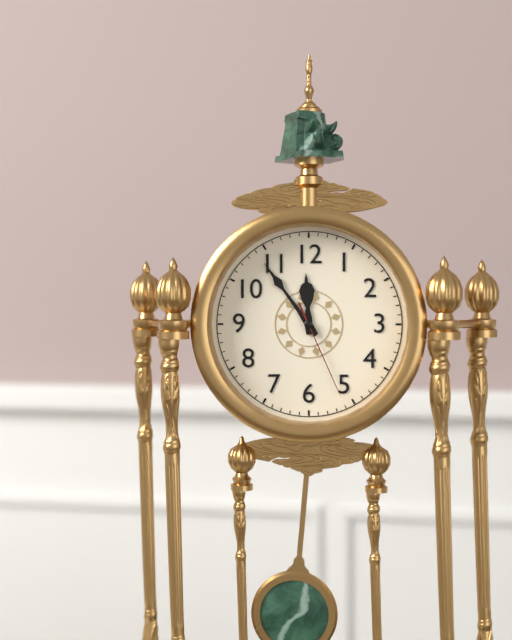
11:54:26
